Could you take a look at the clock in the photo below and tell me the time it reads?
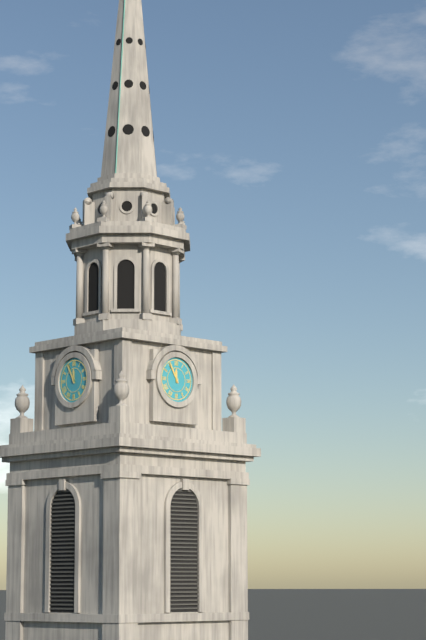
11:55
